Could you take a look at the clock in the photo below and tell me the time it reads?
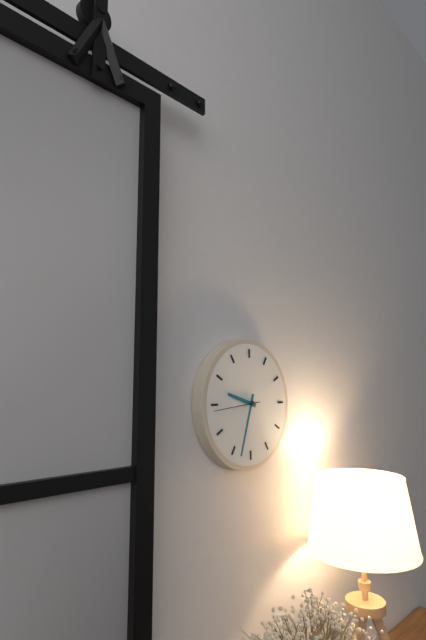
9:33
